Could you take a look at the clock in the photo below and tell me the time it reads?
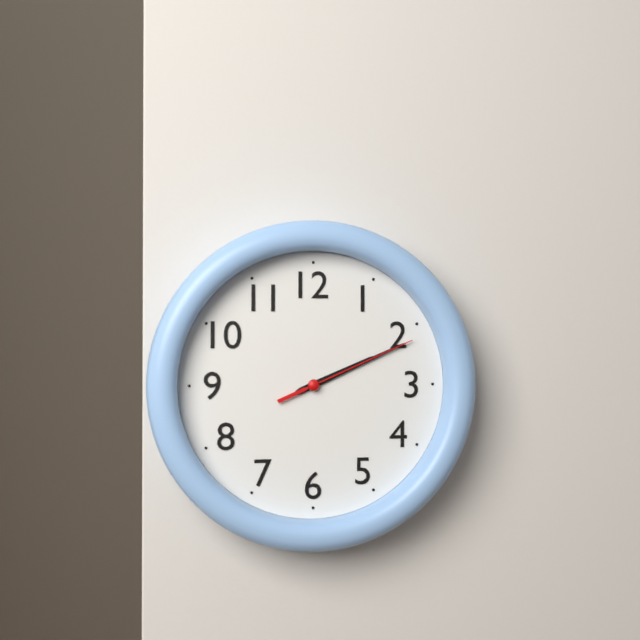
2:11:11
